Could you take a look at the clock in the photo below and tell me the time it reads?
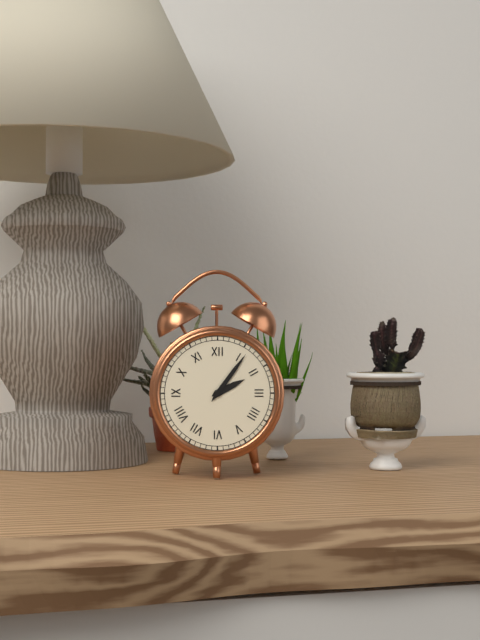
2:06
